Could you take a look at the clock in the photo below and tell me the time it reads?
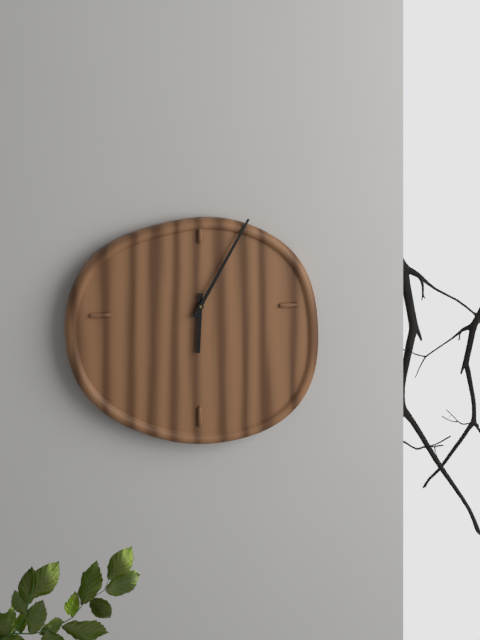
6:05
